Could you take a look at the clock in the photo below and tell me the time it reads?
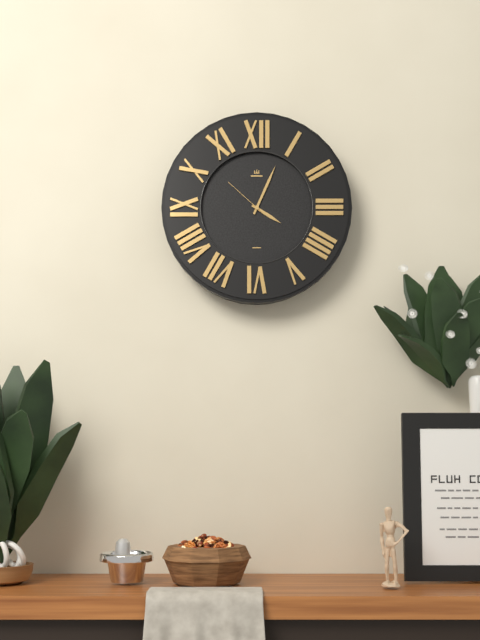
4:04:52
